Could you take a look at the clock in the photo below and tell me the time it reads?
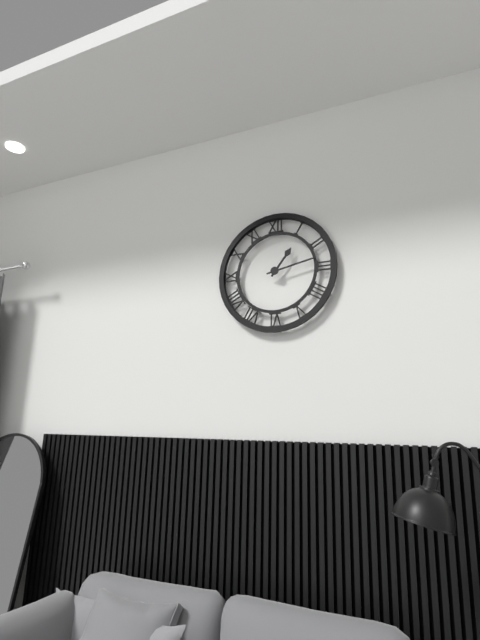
1:13
